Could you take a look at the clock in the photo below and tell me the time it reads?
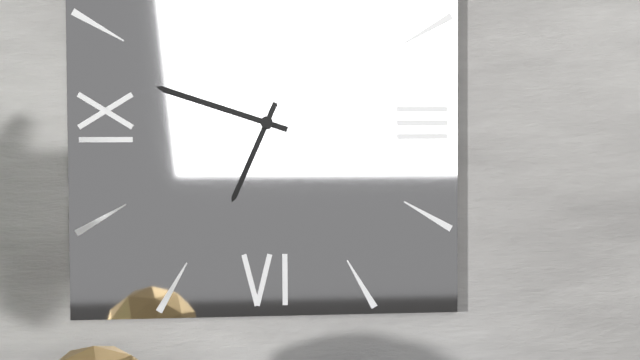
6:48
